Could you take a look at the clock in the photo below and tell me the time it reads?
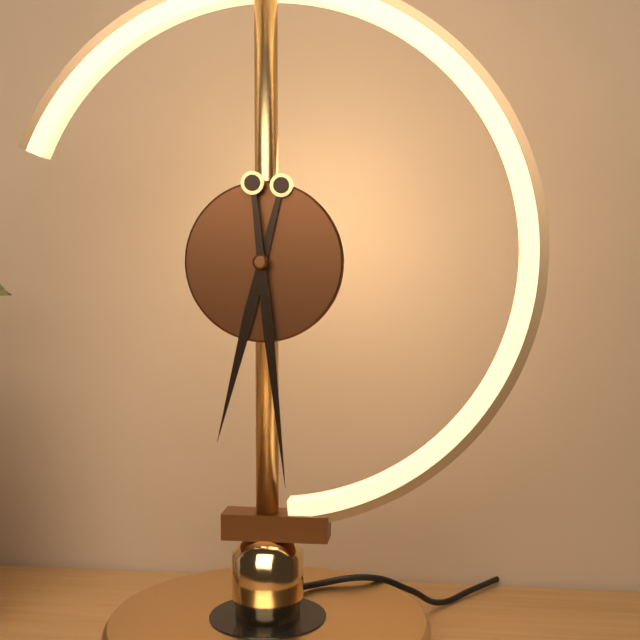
6:29
